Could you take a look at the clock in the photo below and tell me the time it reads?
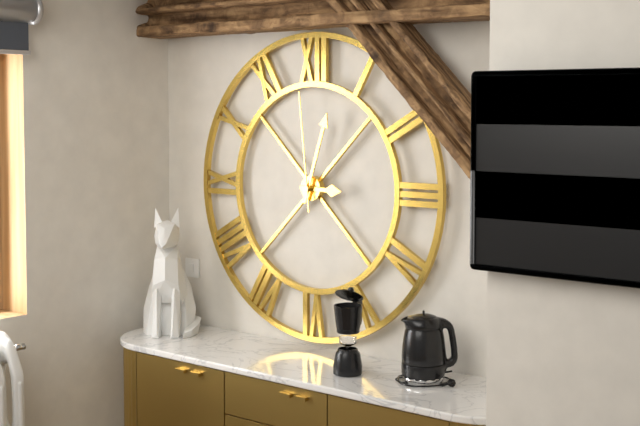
3:03:59
